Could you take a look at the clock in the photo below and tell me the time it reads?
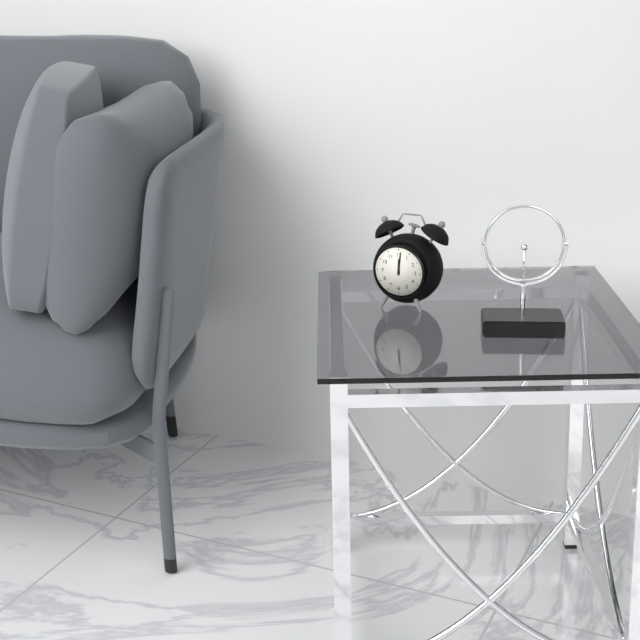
12:01
